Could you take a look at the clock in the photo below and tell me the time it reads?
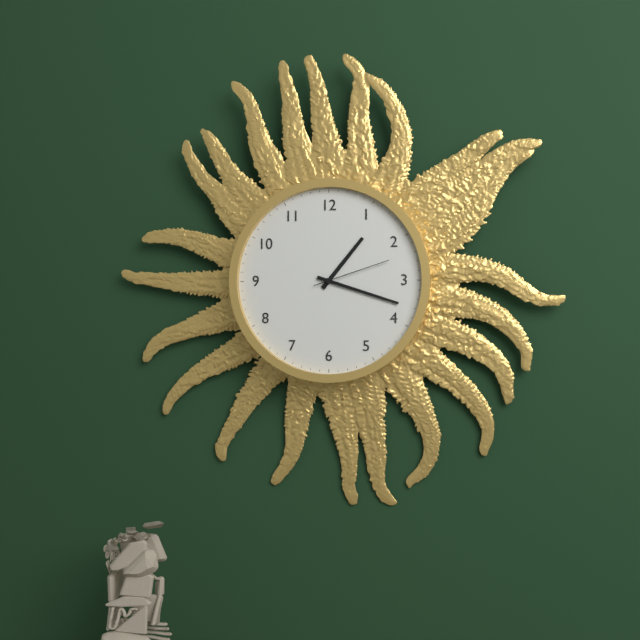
1:18:12
